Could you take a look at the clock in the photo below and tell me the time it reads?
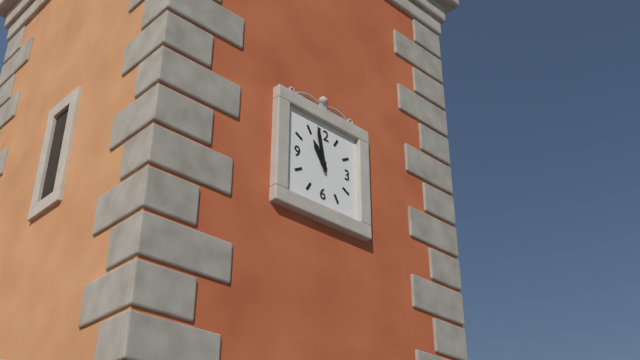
10:58
